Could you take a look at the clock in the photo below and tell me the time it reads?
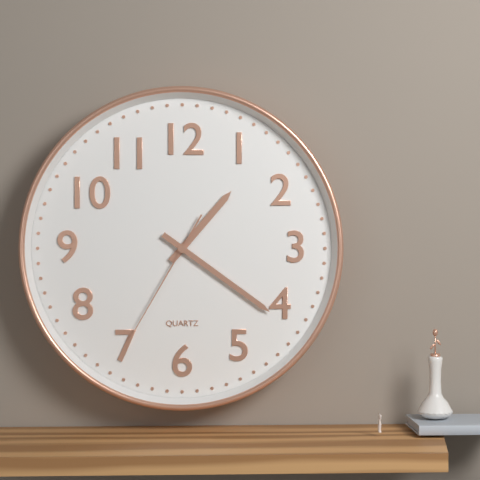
1:21:35
